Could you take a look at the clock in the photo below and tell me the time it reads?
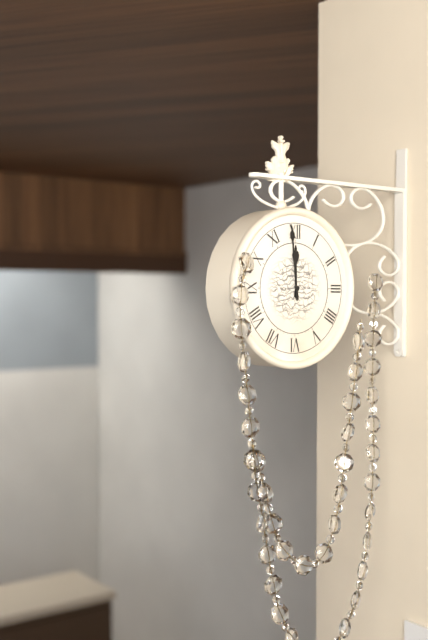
11:59
